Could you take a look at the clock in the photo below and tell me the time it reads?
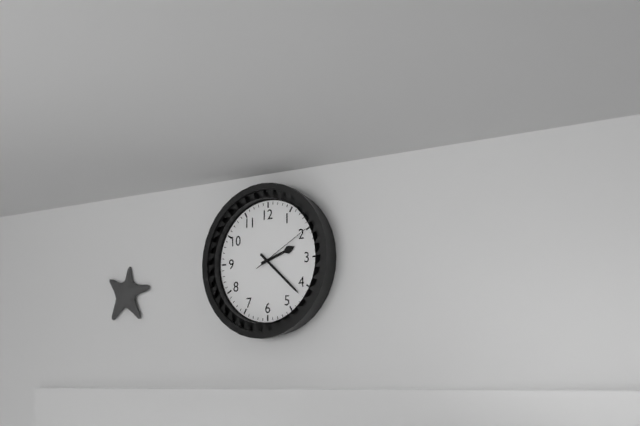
2:22:10
